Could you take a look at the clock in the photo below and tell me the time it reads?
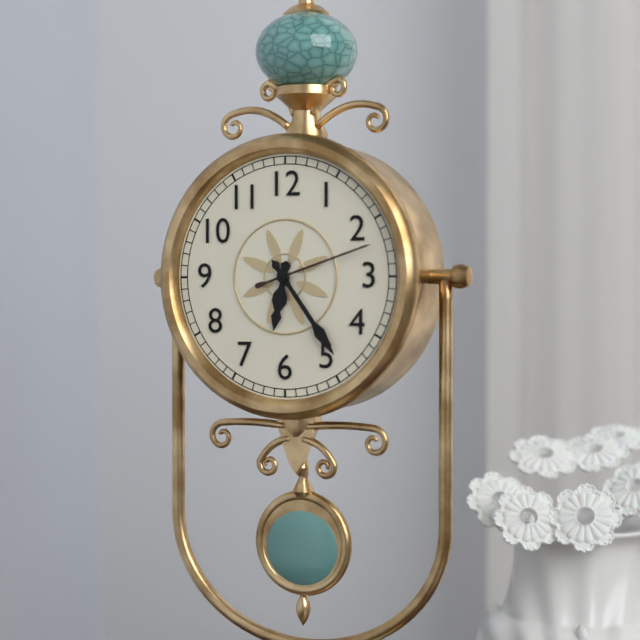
6:24:12
